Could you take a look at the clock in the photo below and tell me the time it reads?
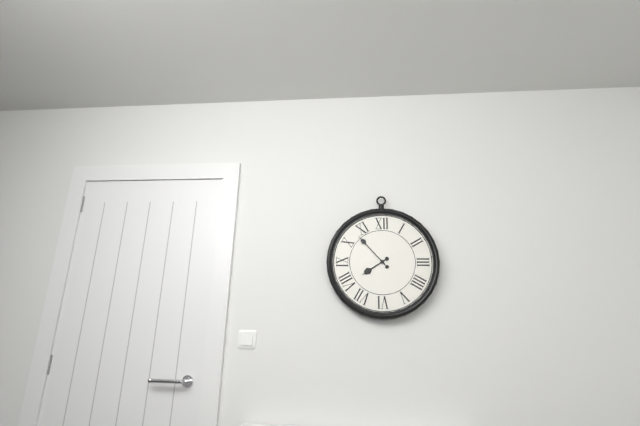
7:53
